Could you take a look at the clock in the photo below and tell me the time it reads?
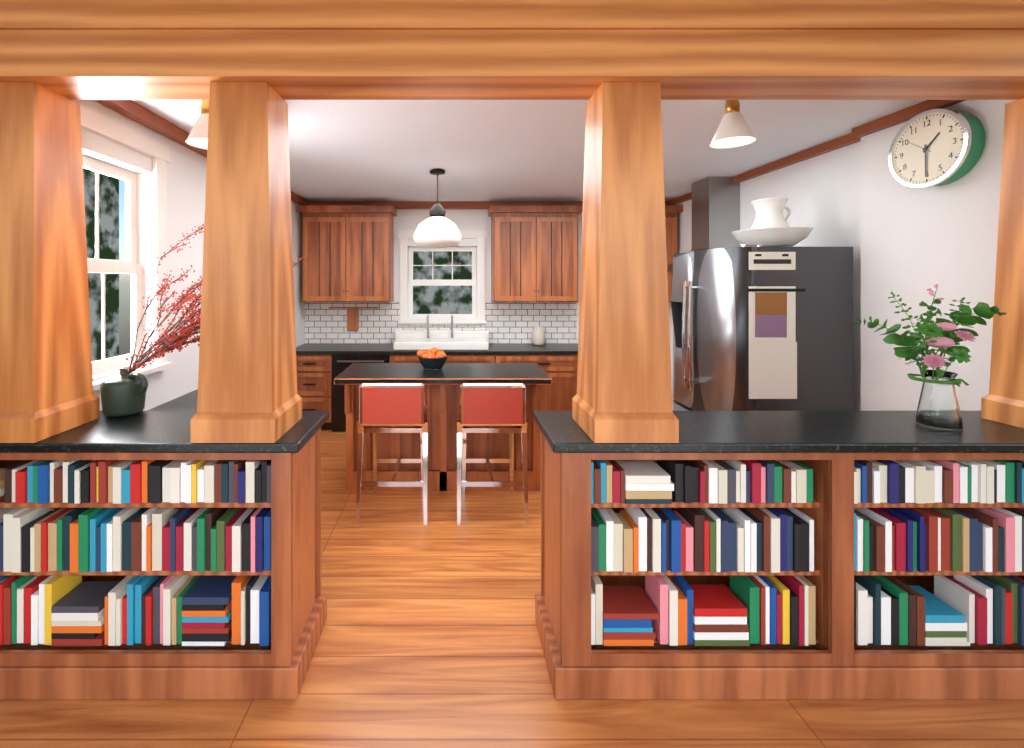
1:30
